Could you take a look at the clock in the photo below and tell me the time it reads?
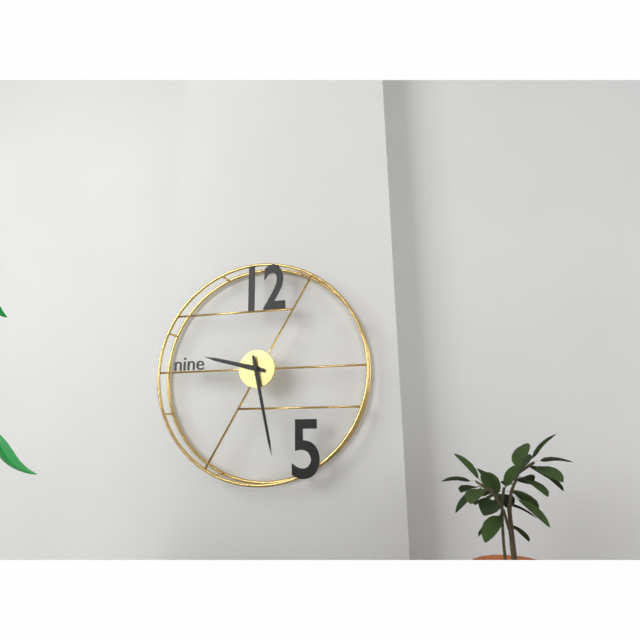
9:28
